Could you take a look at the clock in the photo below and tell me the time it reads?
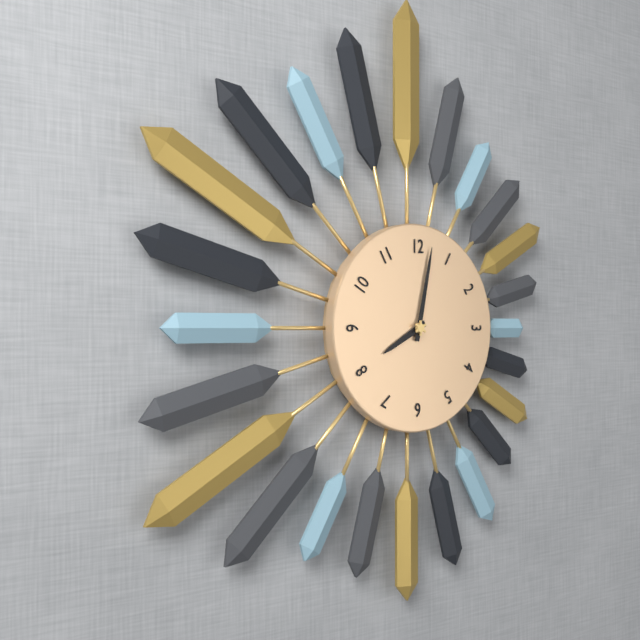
8:02
